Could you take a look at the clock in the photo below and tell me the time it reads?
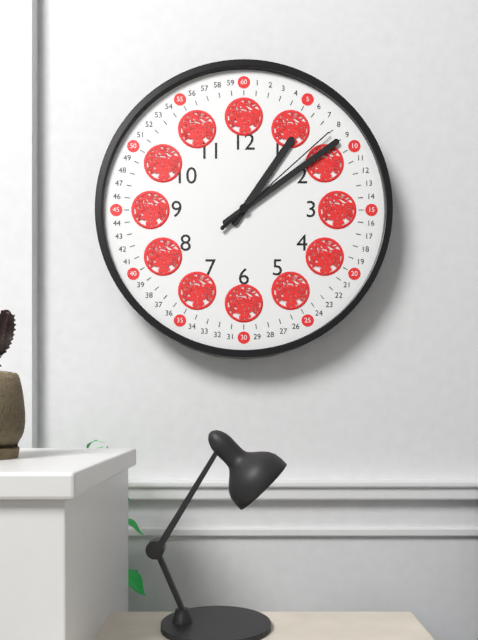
1:09:08
